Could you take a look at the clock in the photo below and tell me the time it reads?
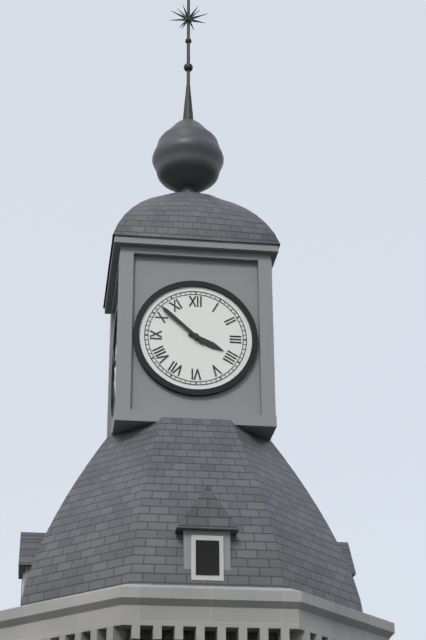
3:52
